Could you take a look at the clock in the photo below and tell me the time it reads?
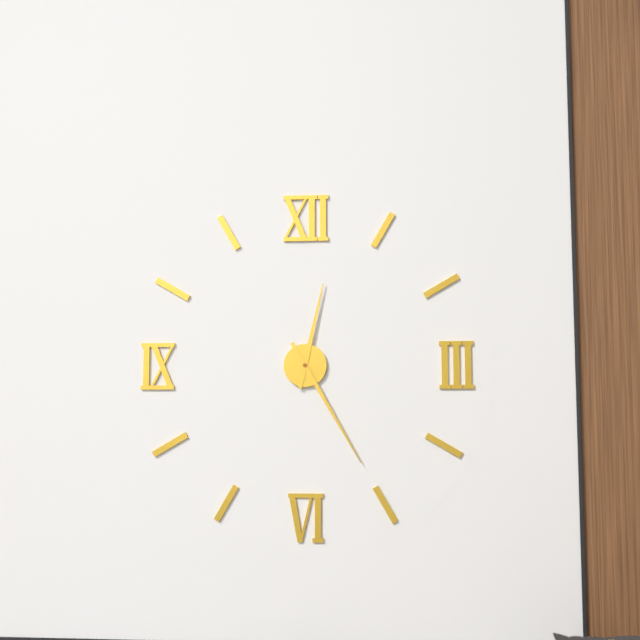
12:25
